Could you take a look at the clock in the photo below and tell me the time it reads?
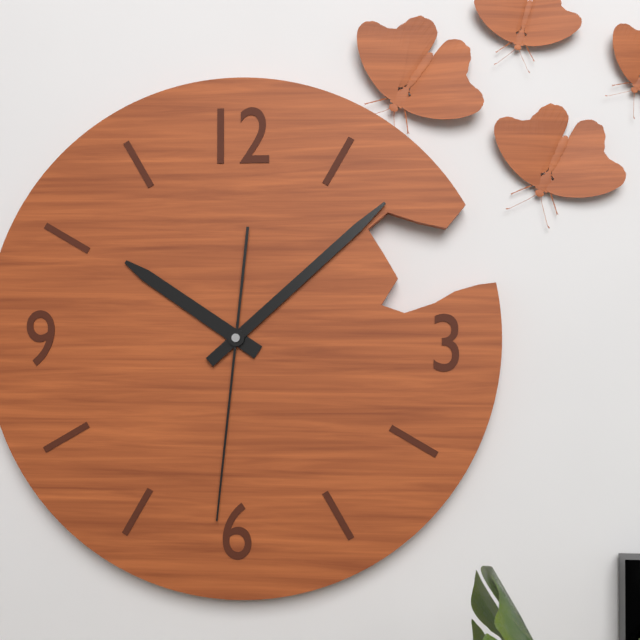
10:08:31
